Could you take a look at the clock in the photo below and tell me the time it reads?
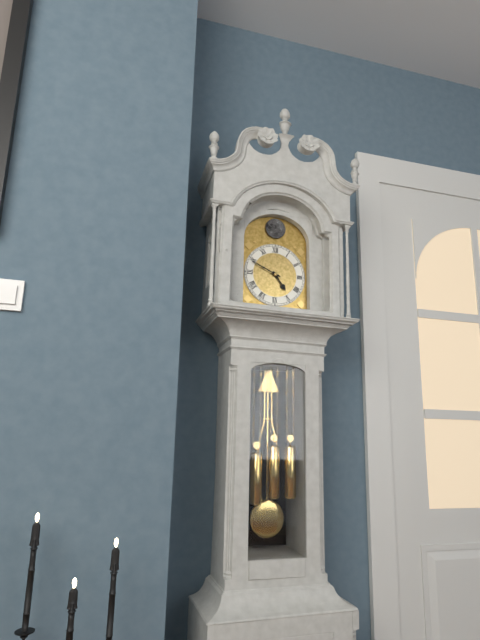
4:49
